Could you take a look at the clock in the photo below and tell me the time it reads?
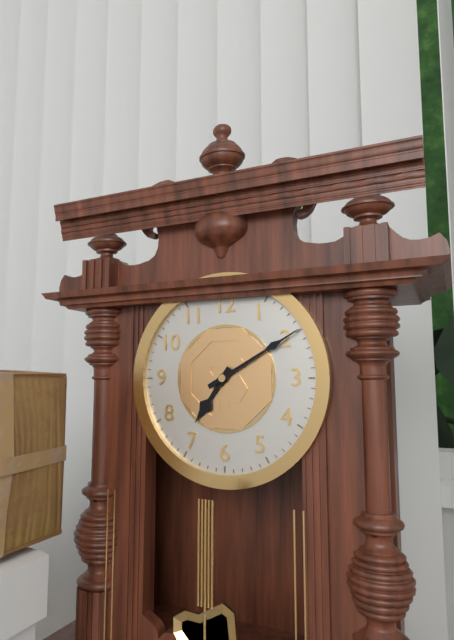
7:10
